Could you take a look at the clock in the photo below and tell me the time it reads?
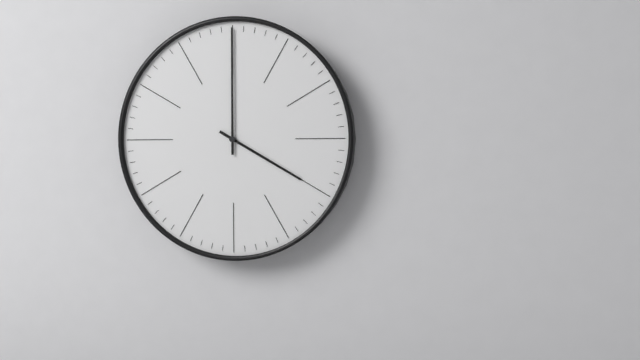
4:00
